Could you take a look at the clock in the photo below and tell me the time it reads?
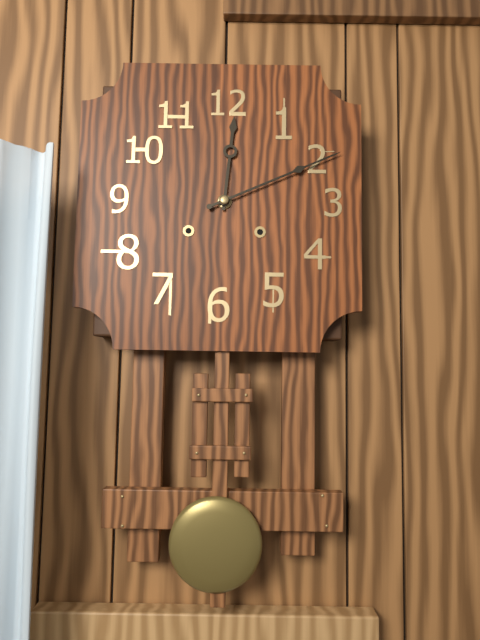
12:11
